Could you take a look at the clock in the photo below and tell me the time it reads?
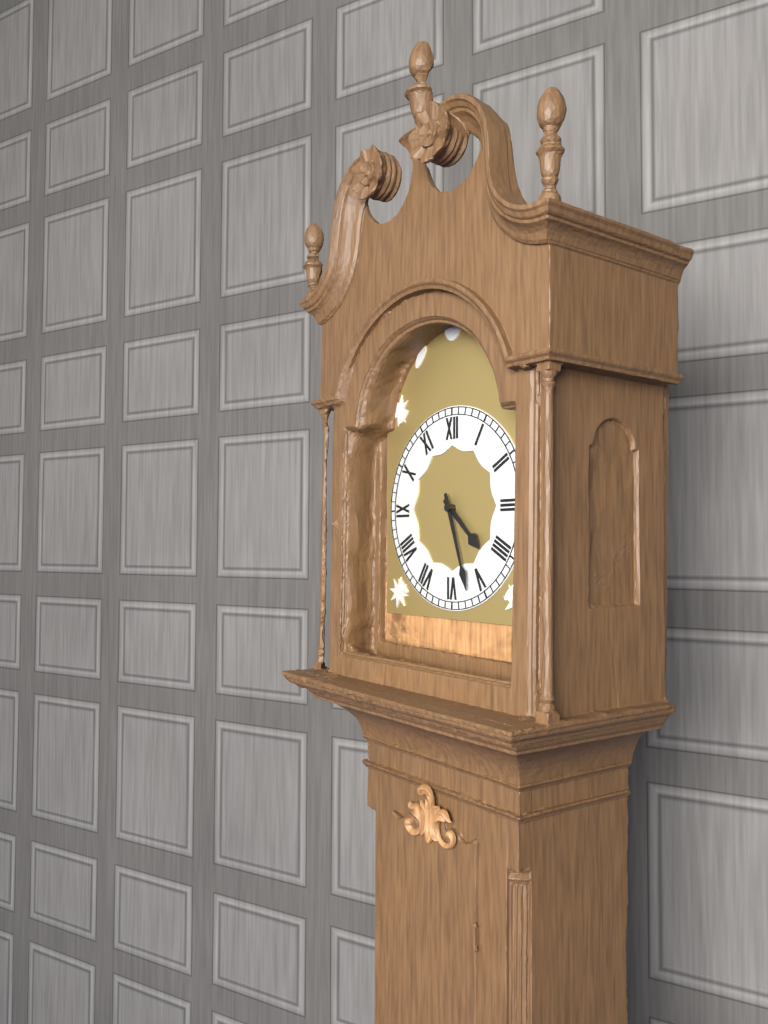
4:27
